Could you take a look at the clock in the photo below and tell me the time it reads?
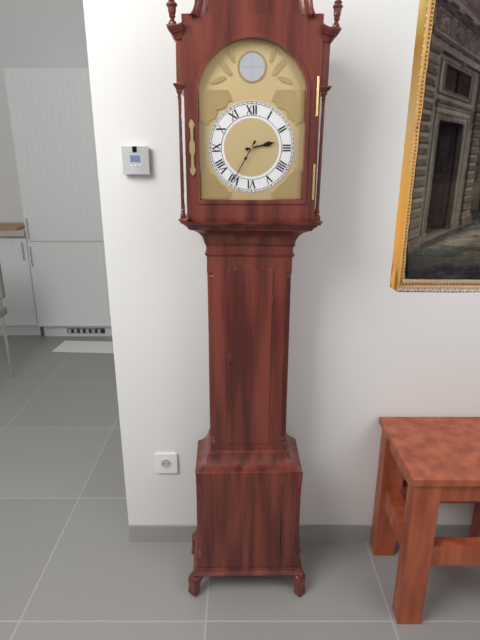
2:35
